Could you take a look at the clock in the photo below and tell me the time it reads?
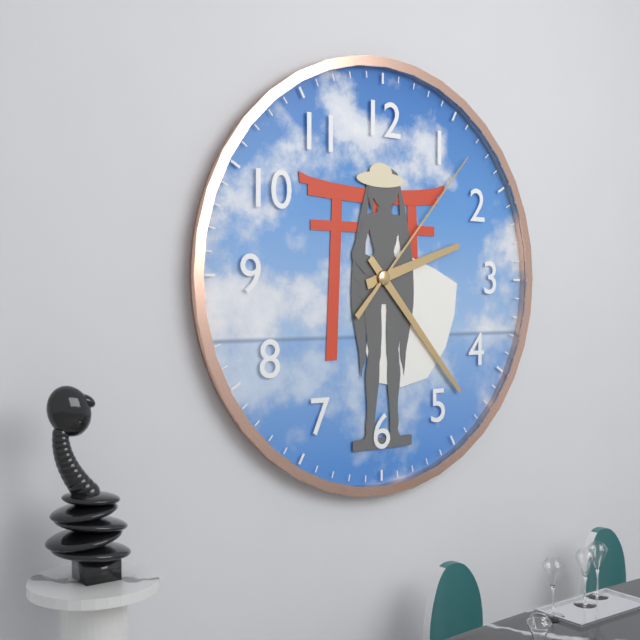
2:23:07
